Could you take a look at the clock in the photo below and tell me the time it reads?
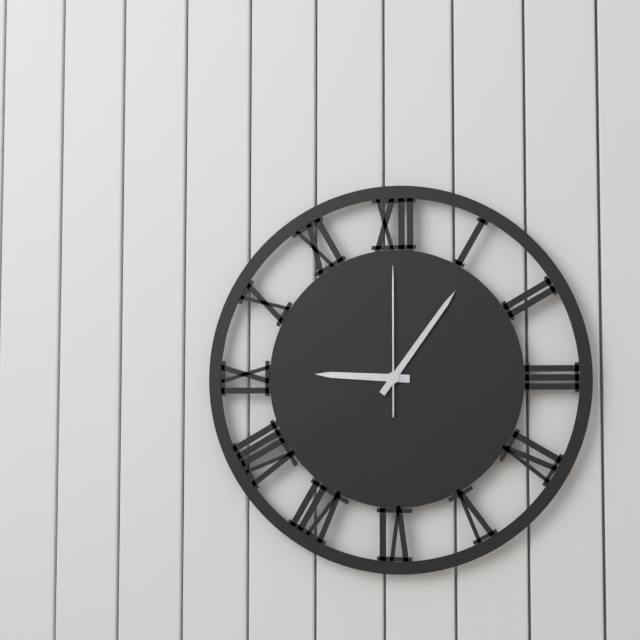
9:06:00
